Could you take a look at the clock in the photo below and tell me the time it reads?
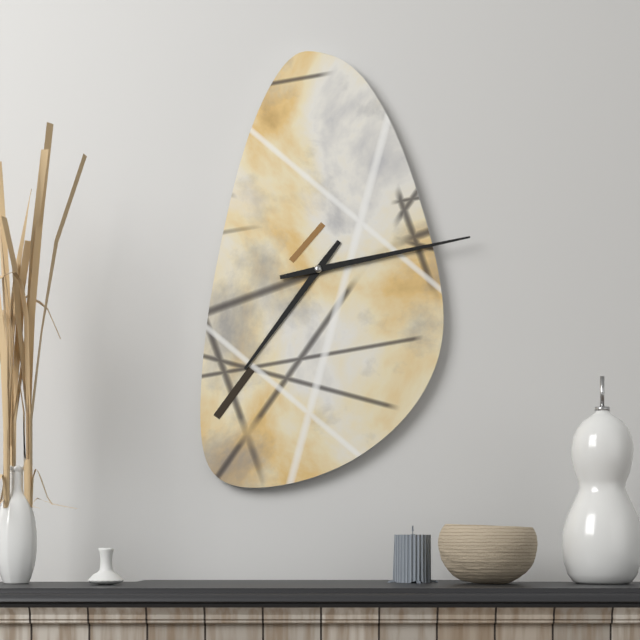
7:13
